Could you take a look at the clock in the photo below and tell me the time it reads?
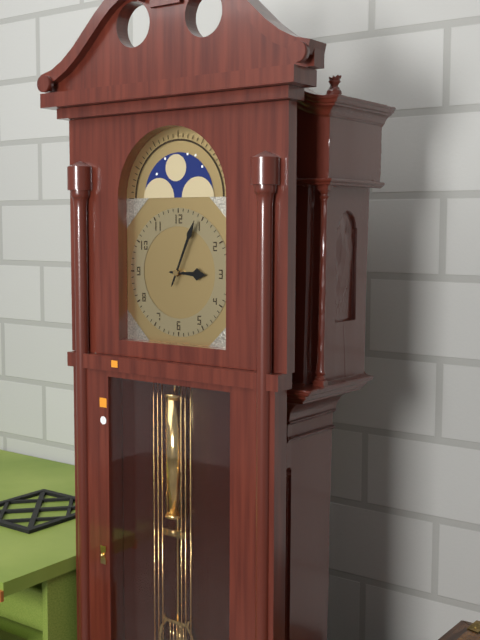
3:04
